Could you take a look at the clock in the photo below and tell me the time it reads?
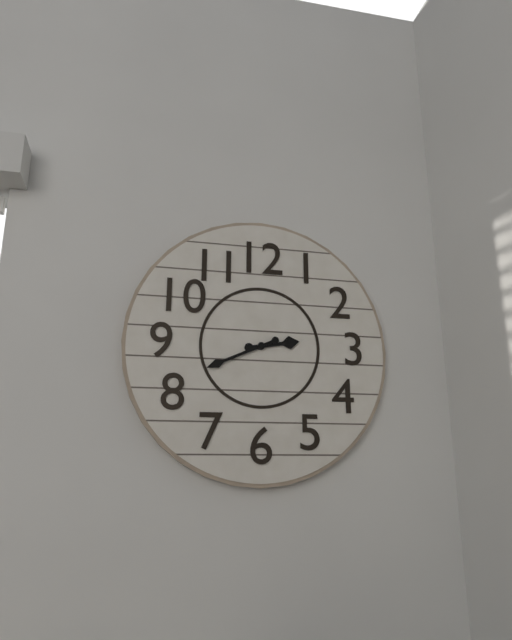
2:41
